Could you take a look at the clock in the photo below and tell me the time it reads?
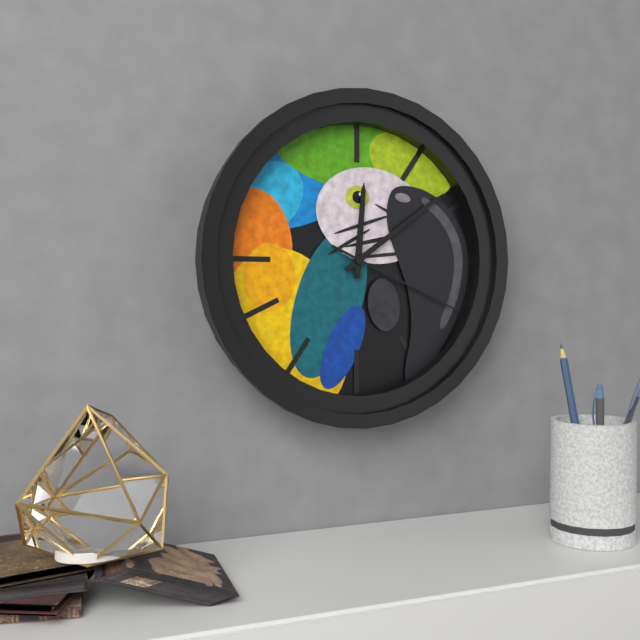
12:09:19
